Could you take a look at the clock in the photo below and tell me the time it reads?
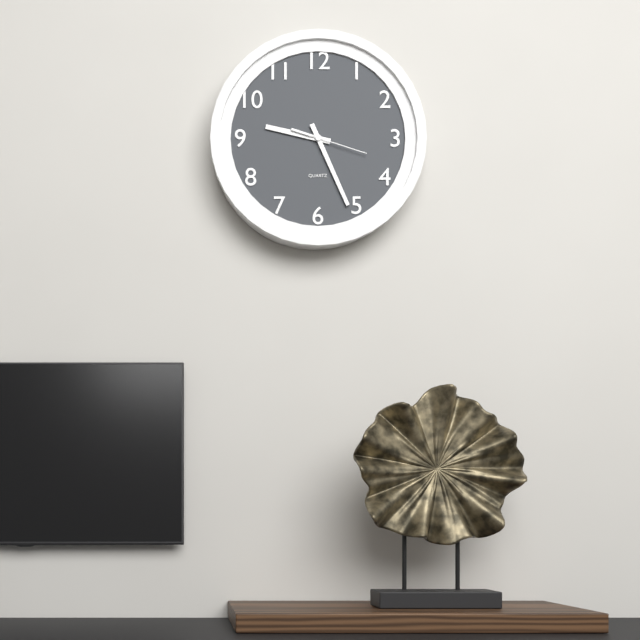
9:26:18
